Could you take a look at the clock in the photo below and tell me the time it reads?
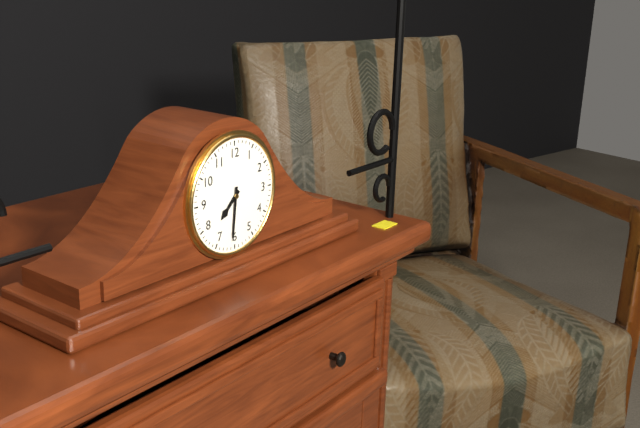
7:31
